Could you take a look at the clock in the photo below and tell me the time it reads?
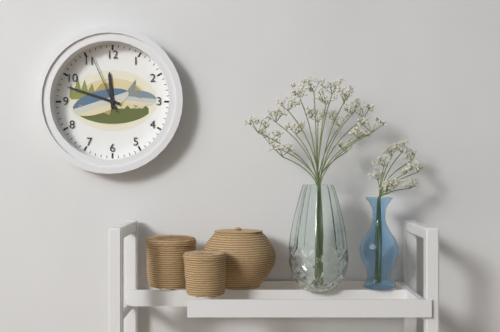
11:48:56
